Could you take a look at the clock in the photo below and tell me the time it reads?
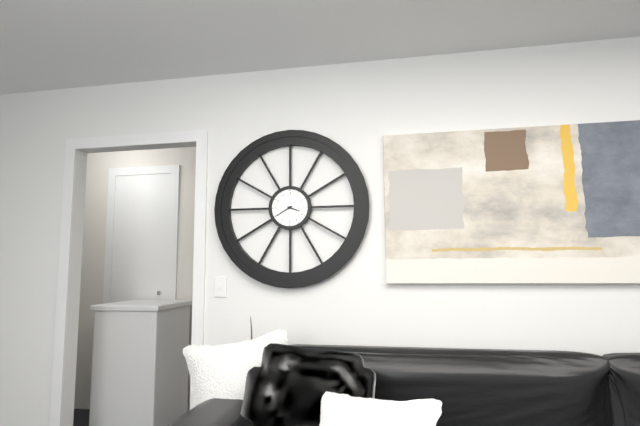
3:40
